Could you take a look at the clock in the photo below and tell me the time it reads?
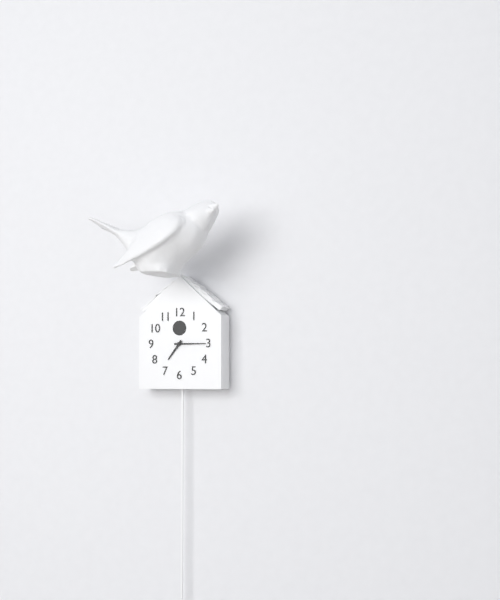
7:15
